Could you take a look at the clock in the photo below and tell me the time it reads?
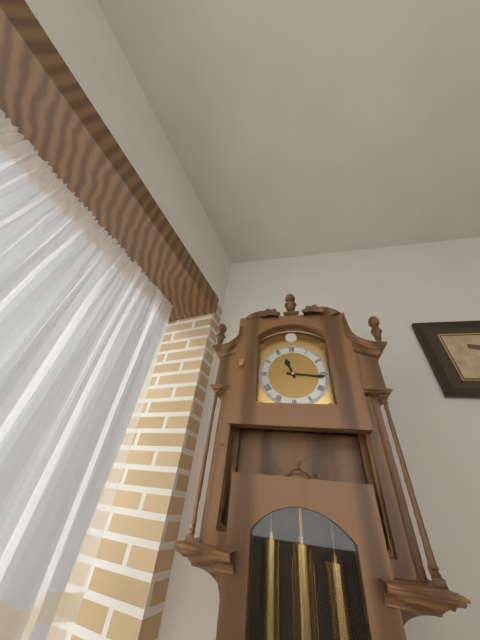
11:16
